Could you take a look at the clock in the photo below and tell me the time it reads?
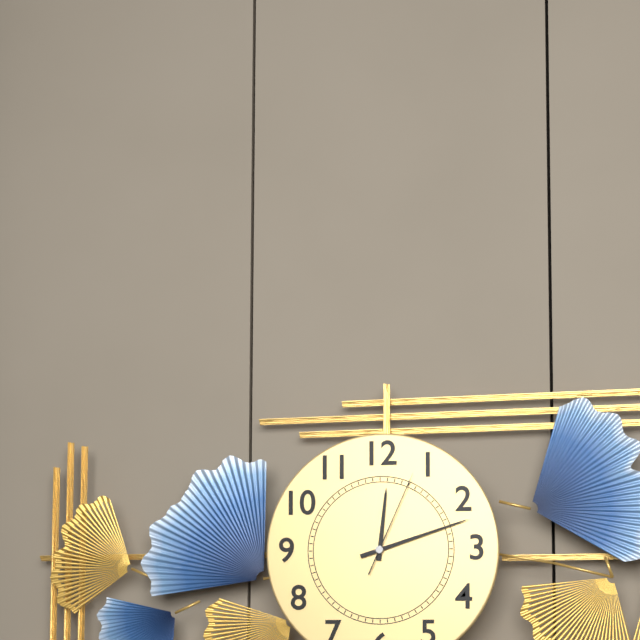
12:12:04
